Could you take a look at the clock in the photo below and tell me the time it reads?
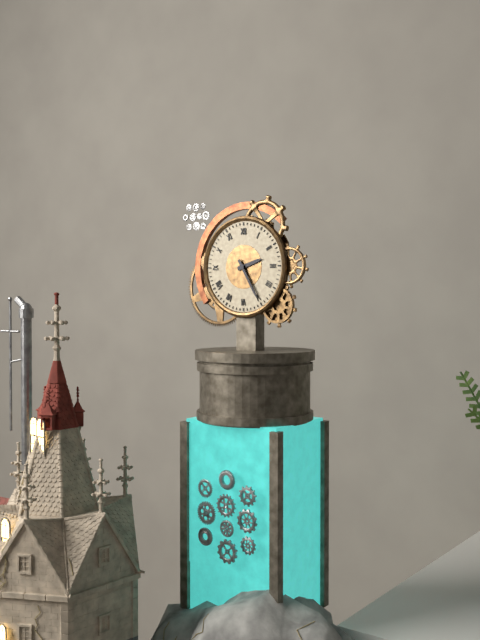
2:25
